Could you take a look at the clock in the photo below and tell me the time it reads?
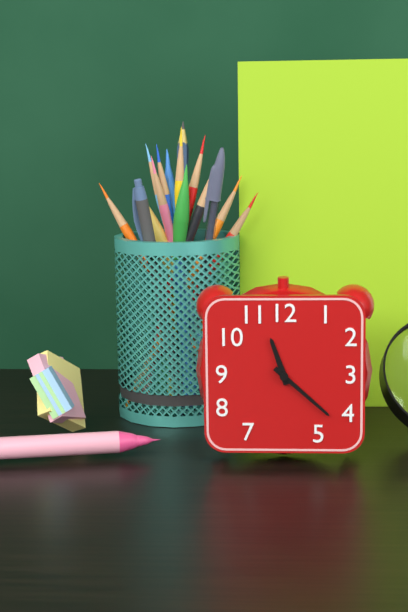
11:22
